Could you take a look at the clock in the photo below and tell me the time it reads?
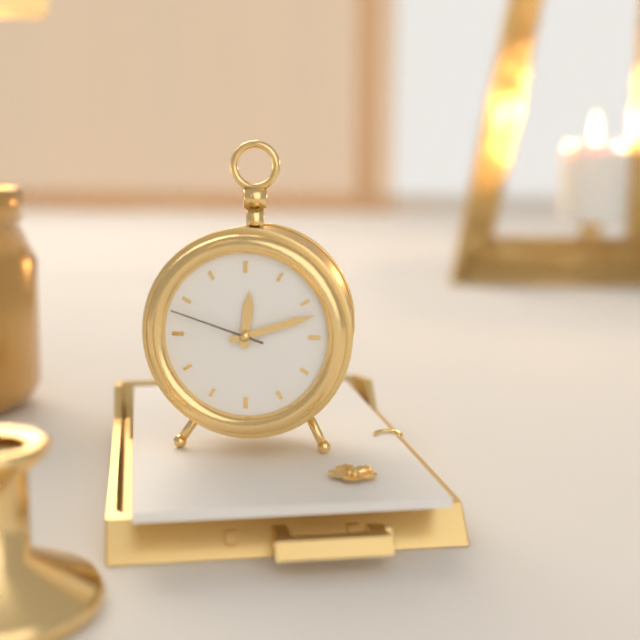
12:12:48
